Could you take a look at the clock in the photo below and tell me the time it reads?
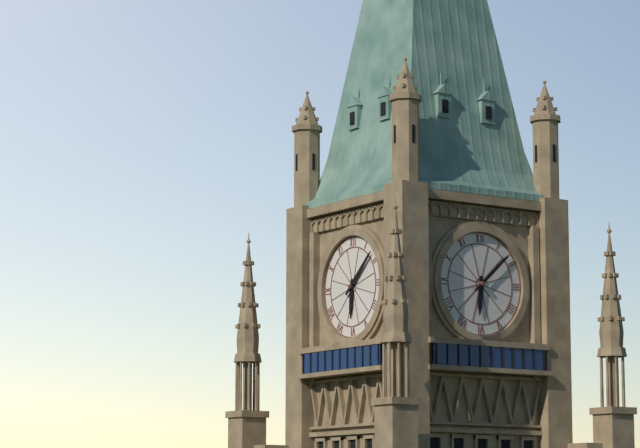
6:08
